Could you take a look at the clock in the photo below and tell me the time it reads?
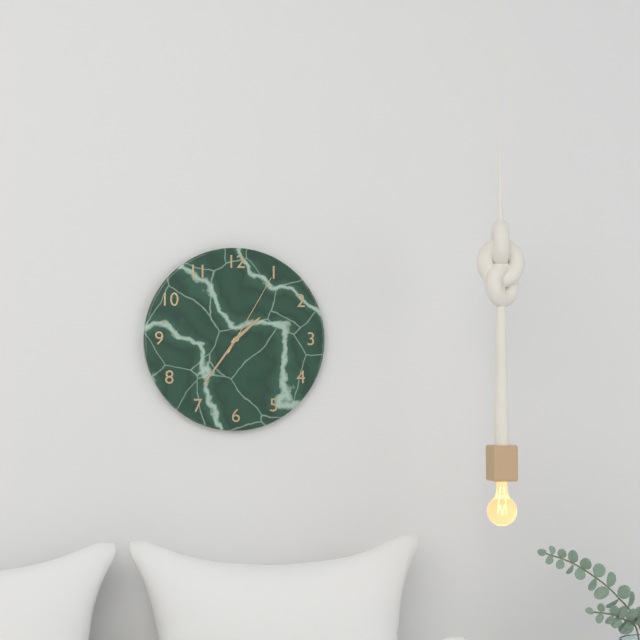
1:36:05
